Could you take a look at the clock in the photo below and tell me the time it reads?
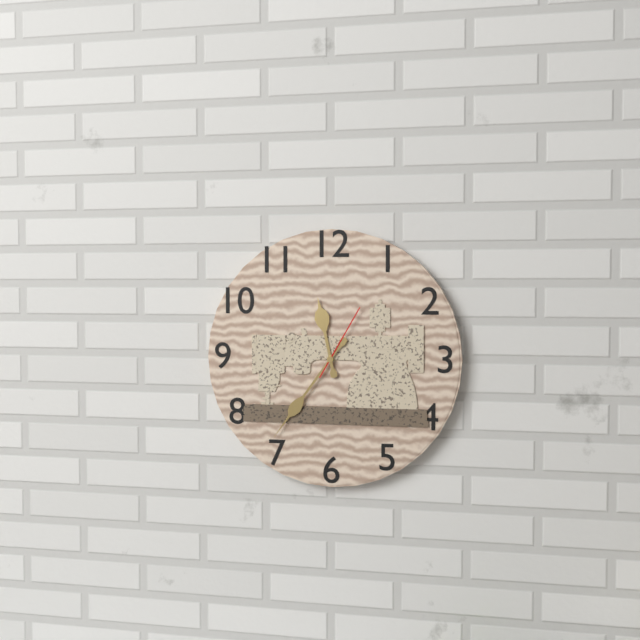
11:36:05
